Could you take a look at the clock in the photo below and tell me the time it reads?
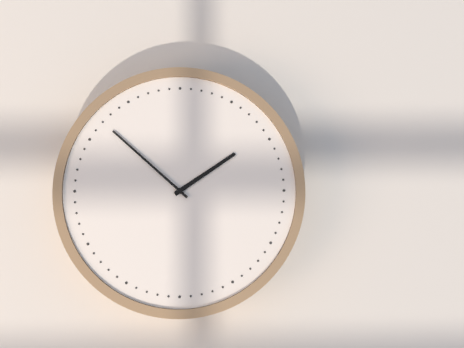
1:52
